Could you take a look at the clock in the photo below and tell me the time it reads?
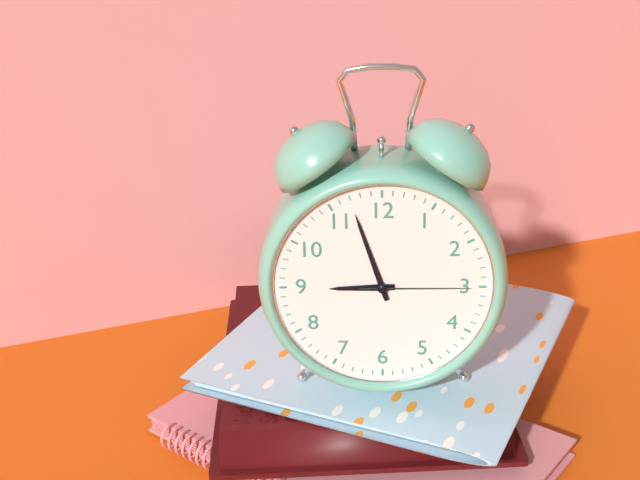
8:57:15
